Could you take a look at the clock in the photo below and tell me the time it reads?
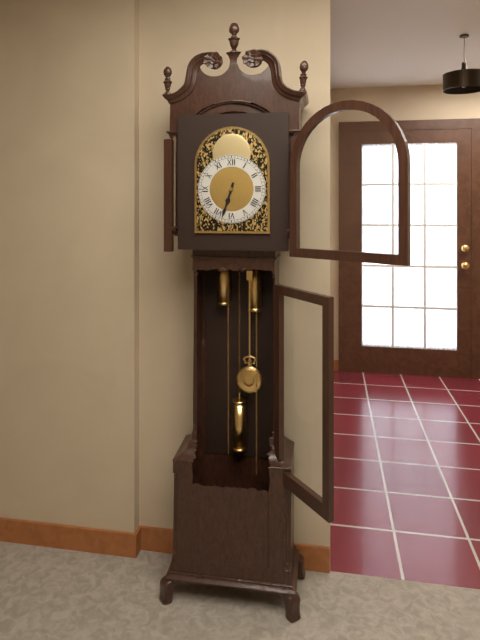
6:33
